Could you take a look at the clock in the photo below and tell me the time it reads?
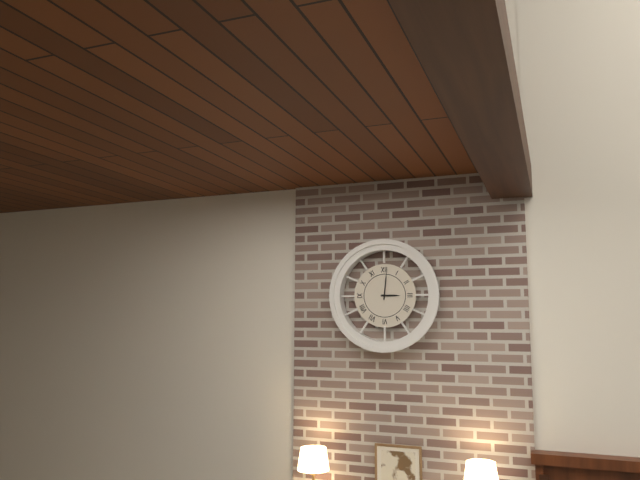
3:01
